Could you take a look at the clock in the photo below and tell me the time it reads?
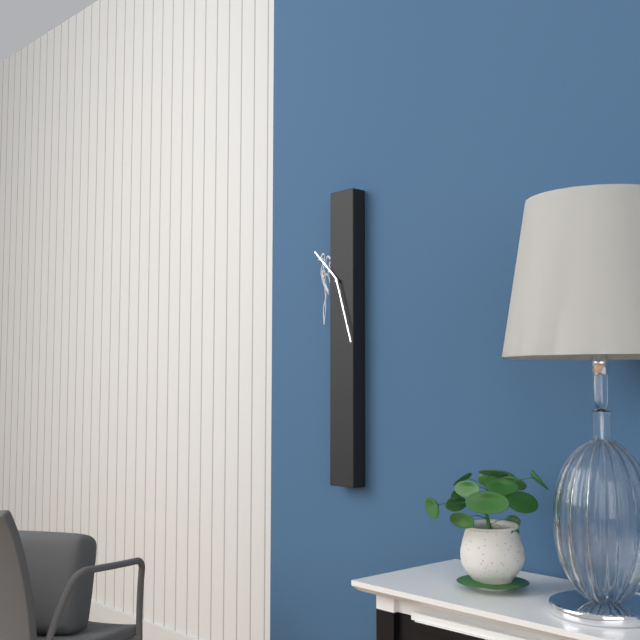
10:27
